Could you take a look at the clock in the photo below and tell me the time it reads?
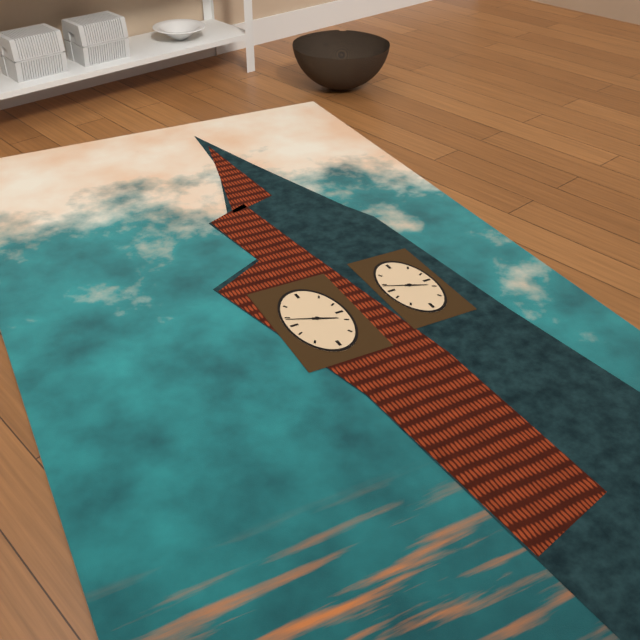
3:49
